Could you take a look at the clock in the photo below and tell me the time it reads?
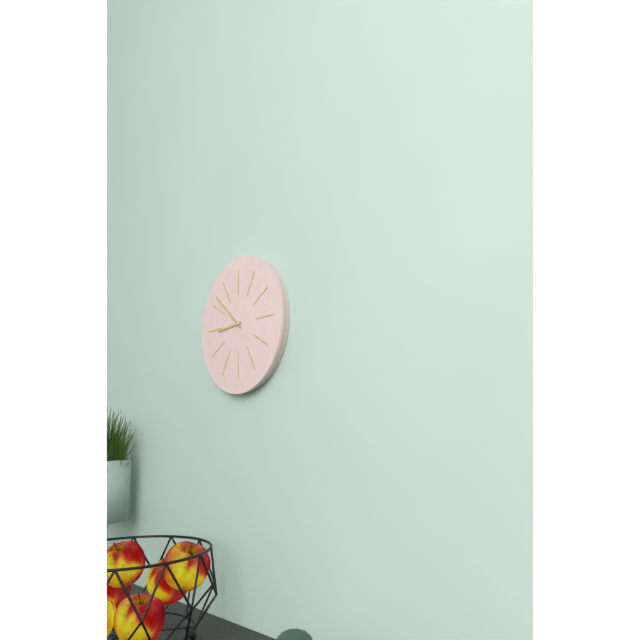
8:52
